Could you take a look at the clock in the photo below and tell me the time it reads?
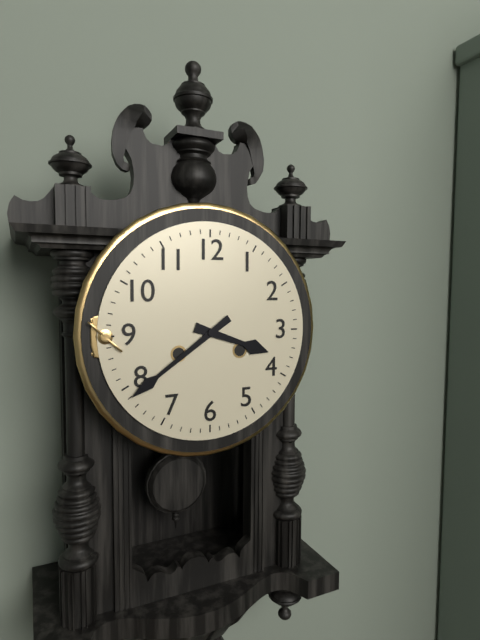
3:39
